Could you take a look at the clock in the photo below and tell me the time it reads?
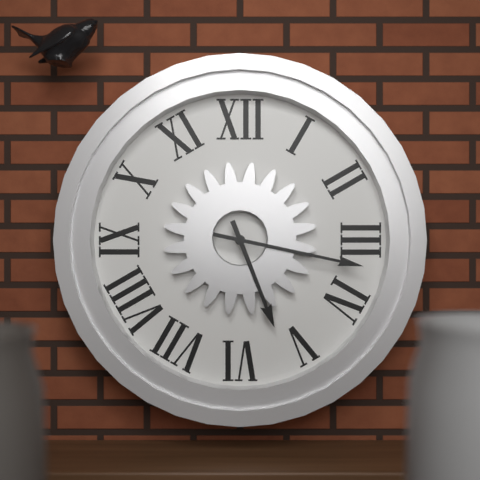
5:17
